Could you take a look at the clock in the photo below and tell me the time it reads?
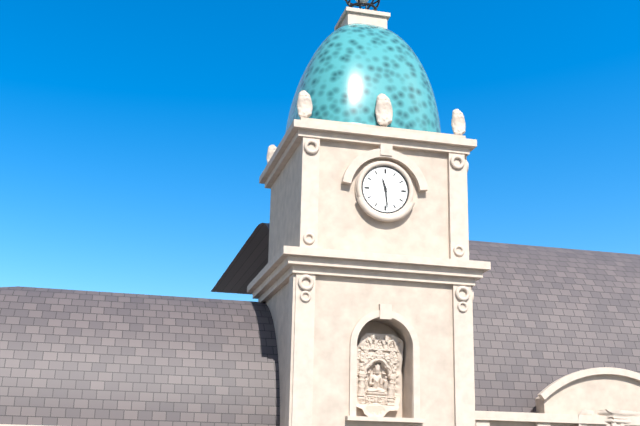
11:29
